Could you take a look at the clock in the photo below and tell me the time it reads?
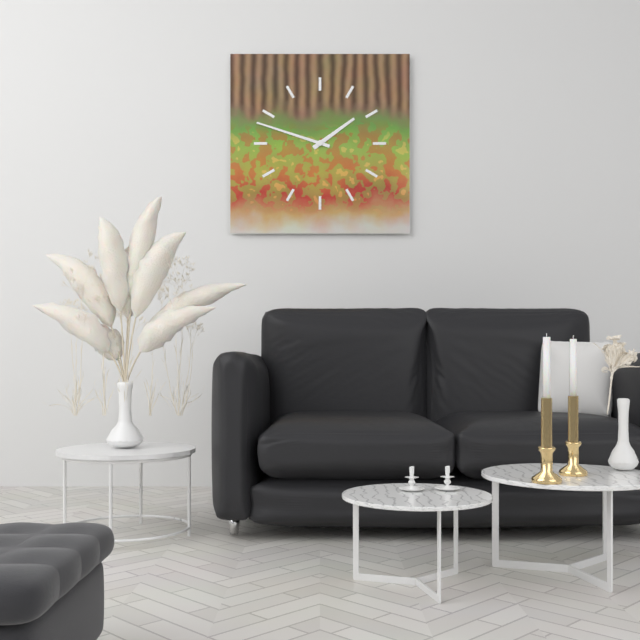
1:48
